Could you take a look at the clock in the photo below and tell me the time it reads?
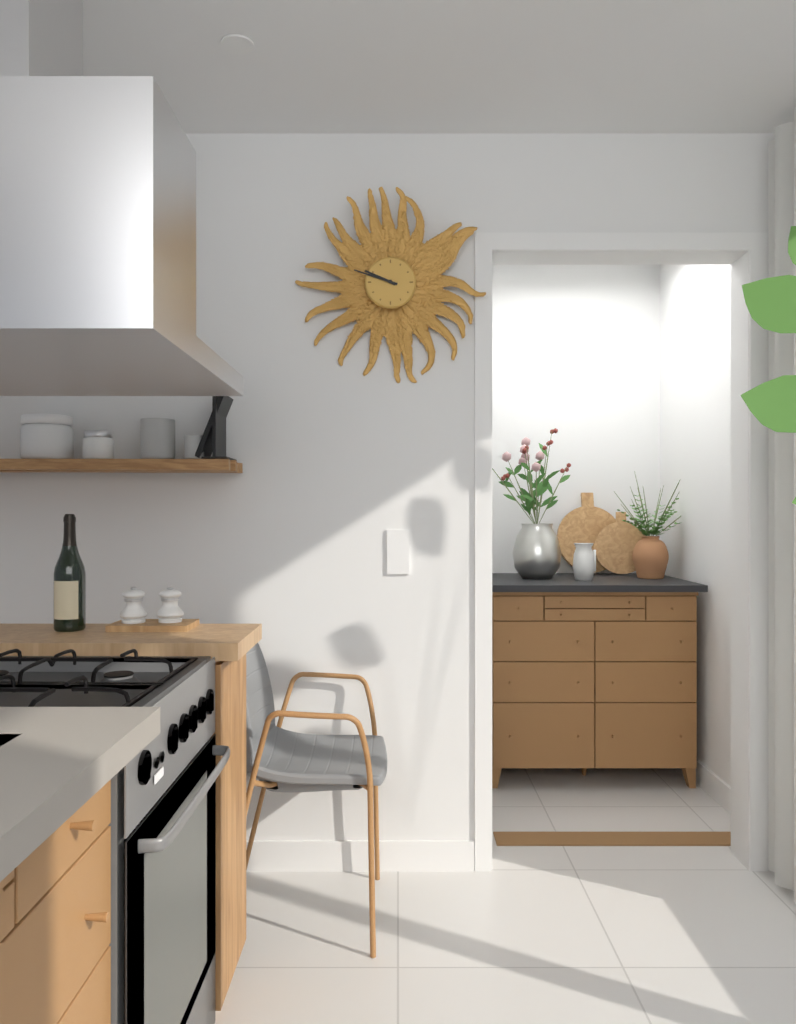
9:48
